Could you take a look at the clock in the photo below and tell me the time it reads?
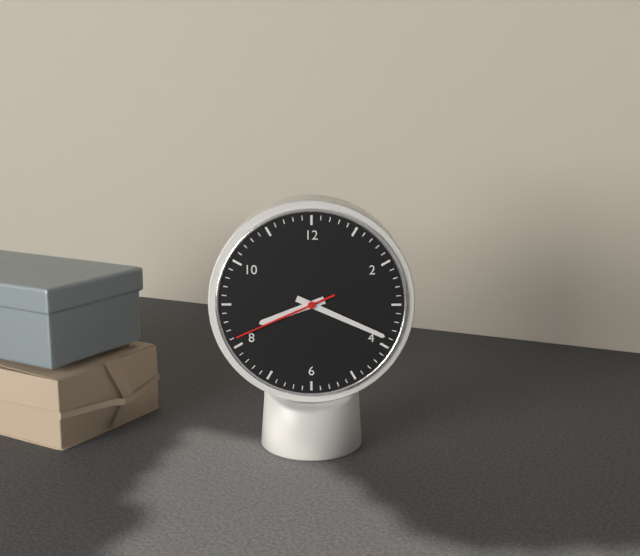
8:19:41
